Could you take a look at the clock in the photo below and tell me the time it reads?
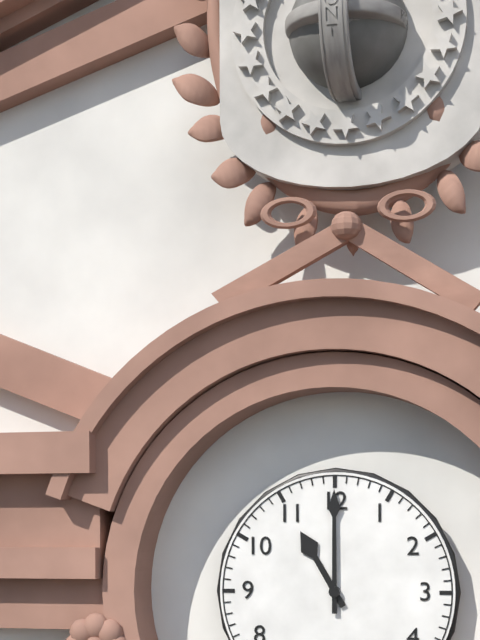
11:00
